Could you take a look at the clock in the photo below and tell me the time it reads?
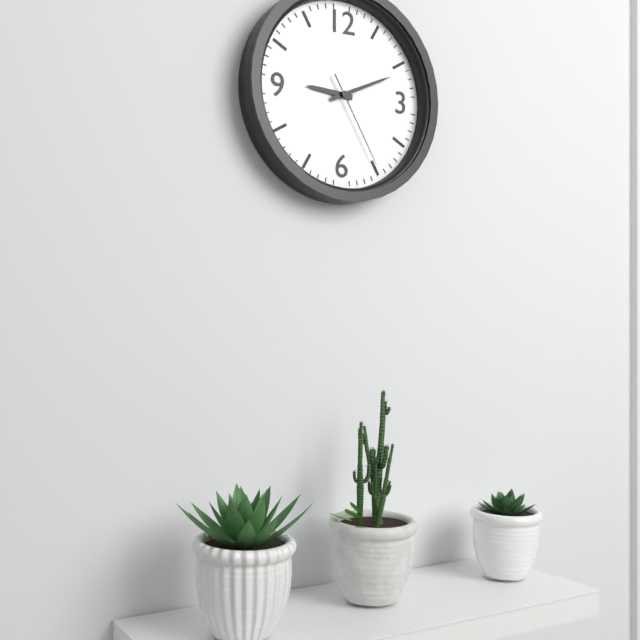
9:11:25
